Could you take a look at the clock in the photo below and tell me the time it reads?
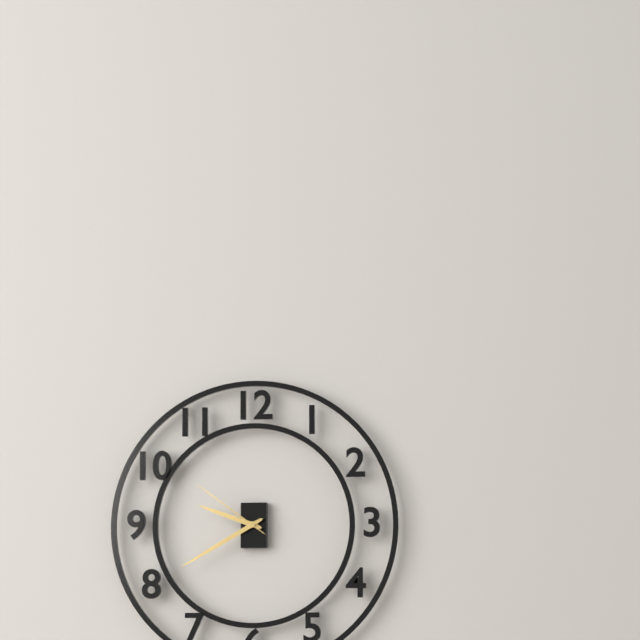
9:40:51
